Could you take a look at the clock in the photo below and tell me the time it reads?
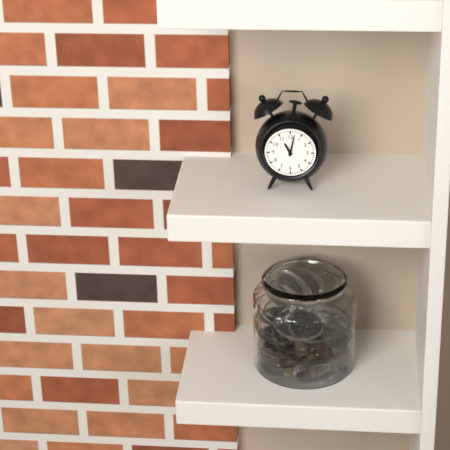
11:02
